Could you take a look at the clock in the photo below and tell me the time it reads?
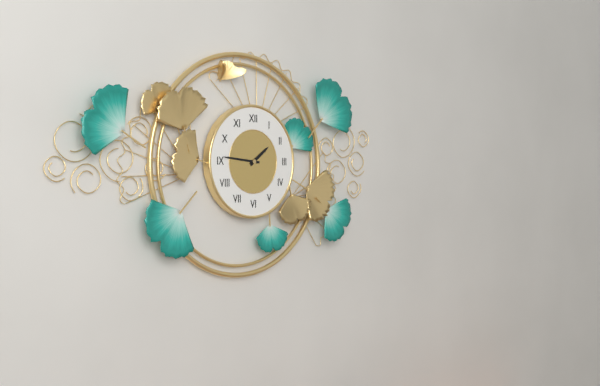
1:46
